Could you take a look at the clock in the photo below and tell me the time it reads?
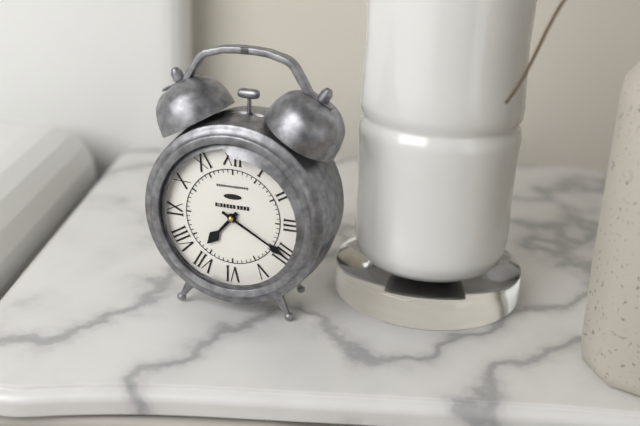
7:20
